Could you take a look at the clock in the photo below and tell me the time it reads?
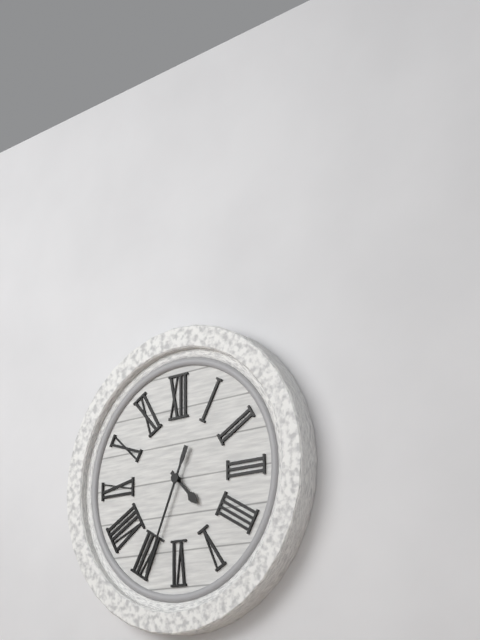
4:34
